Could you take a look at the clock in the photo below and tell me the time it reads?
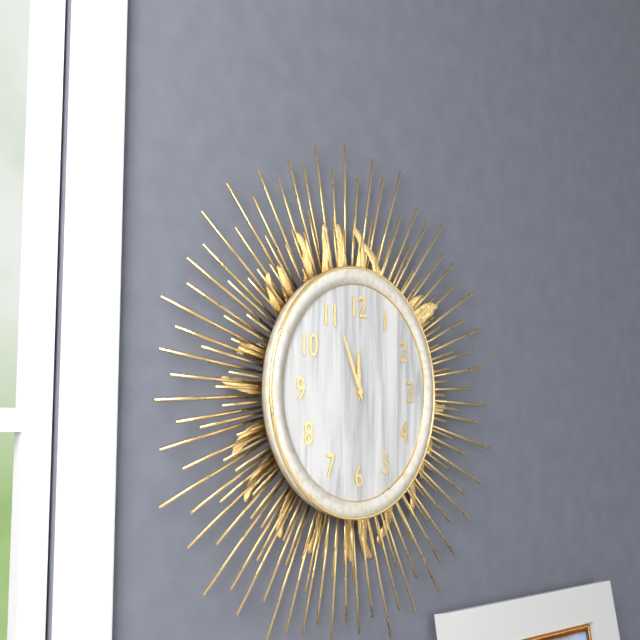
11:56
